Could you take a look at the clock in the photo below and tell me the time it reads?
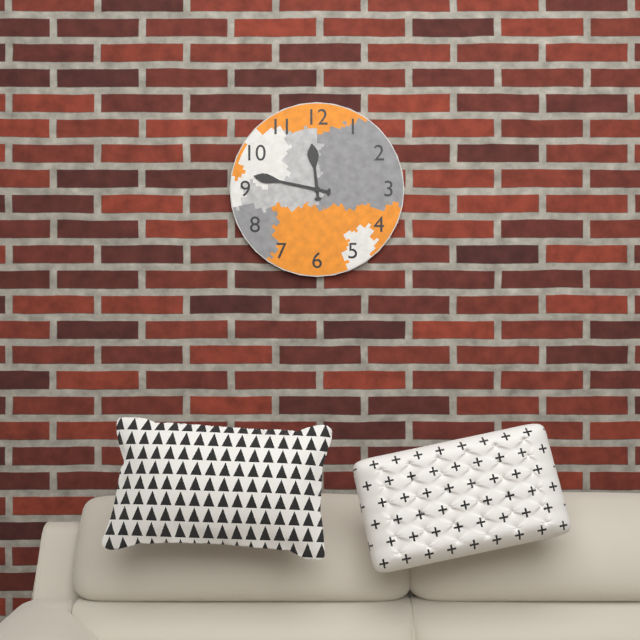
11:47
